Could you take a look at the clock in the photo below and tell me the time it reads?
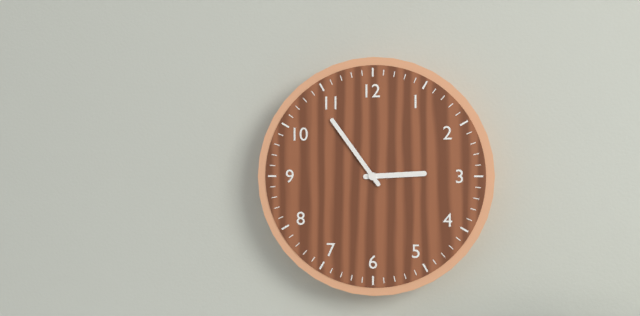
2:54
